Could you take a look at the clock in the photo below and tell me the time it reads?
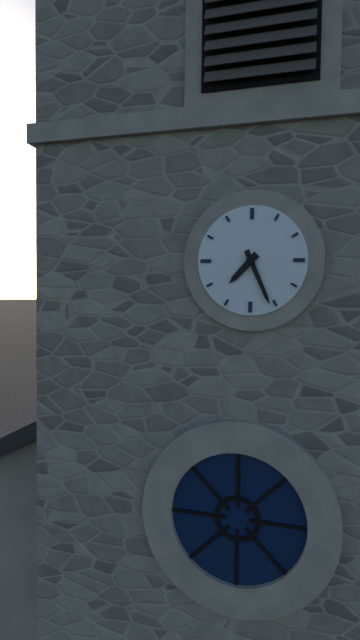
7:26
